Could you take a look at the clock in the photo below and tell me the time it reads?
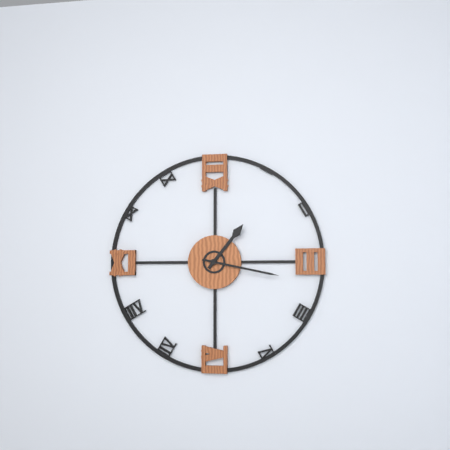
1:17
